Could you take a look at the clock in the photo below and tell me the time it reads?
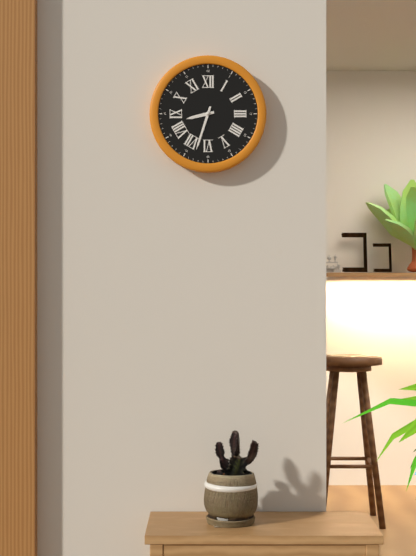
8:33
